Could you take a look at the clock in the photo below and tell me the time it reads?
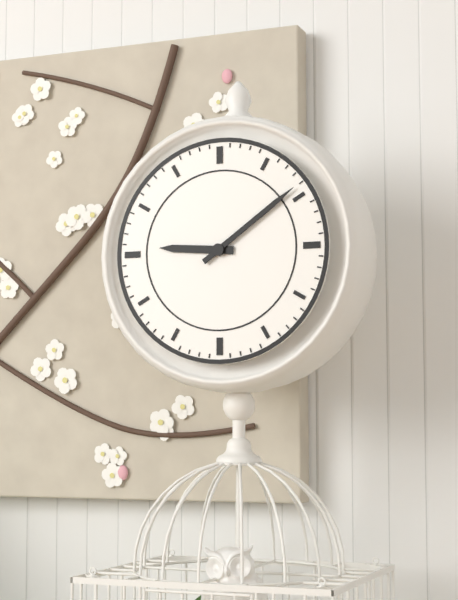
9:09
